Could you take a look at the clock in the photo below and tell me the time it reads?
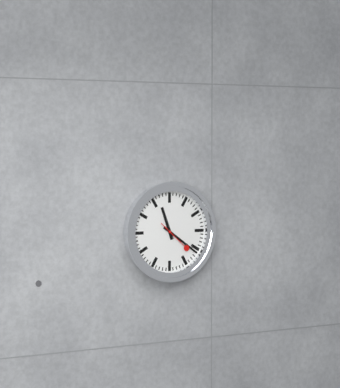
11:21
